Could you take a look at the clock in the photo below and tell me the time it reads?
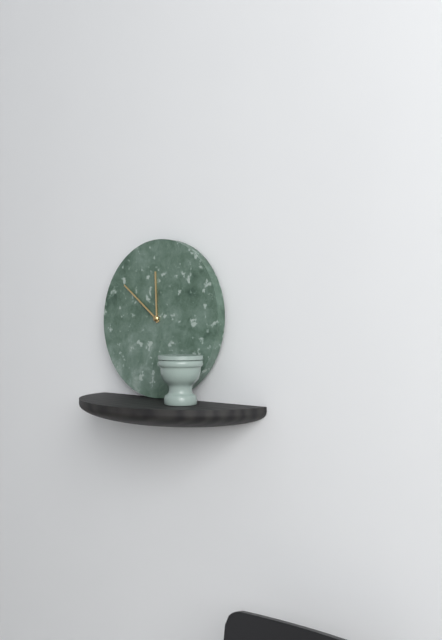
11:51
